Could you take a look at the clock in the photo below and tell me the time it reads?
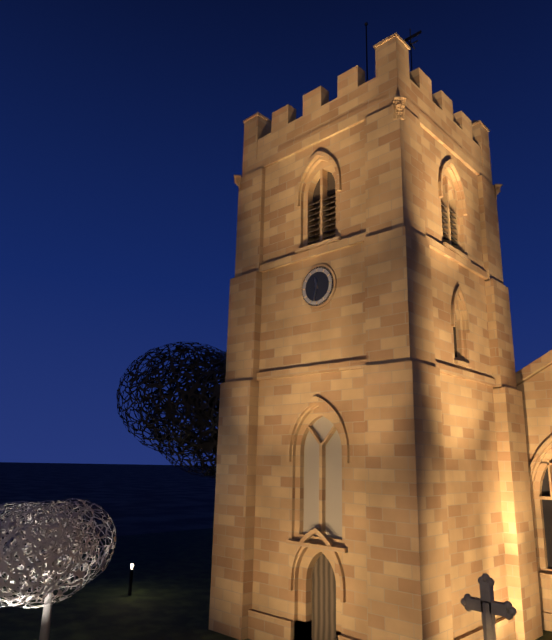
11:32
